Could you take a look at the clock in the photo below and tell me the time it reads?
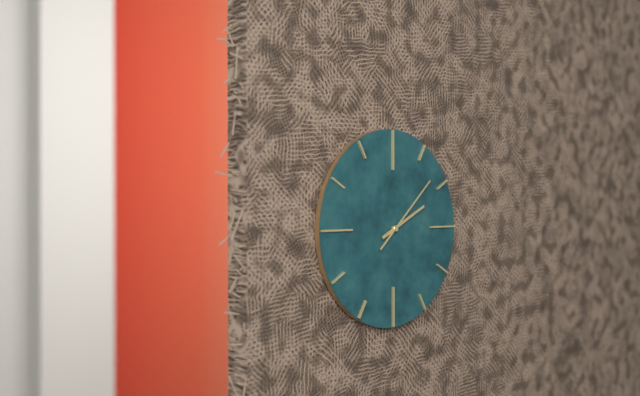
2:08
